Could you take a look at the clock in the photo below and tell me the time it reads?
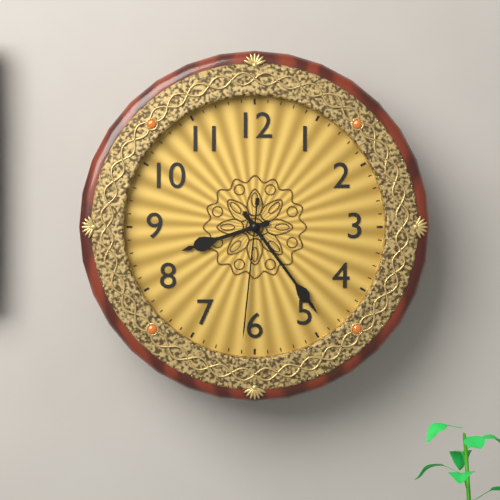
8:24:31
